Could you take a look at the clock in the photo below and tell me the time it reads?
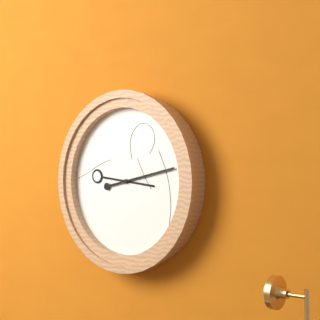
3:13
